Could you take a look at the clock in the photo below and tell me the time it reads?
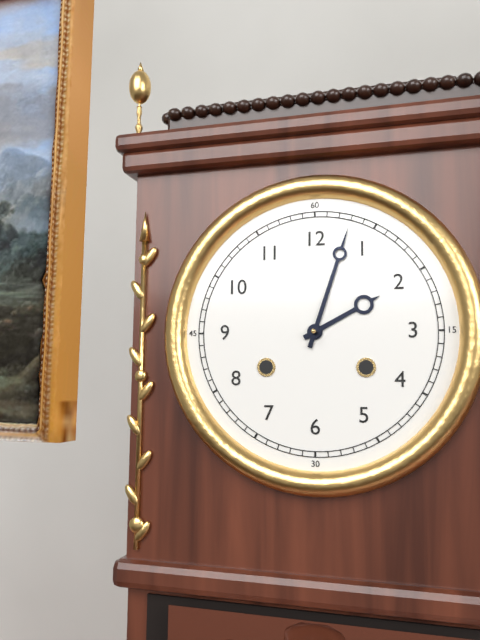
2:03
